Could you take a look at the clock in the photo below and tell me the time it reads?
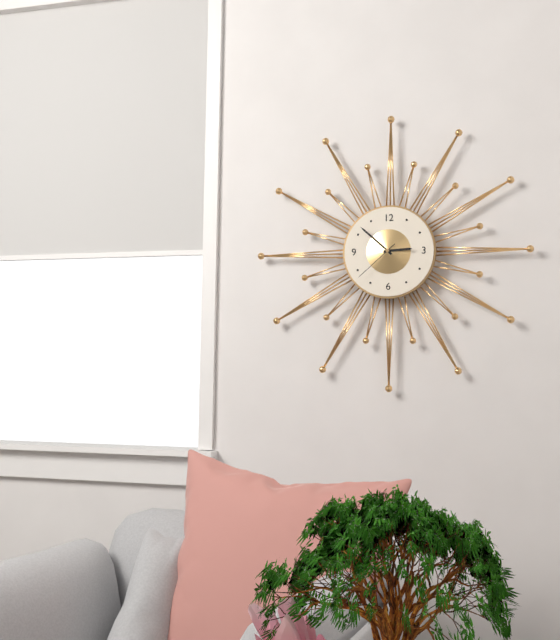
2:52
